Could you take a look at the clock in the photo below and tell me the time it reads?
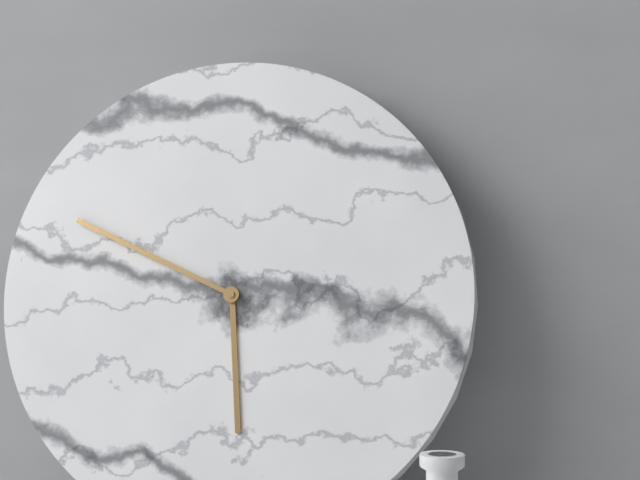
5:49
